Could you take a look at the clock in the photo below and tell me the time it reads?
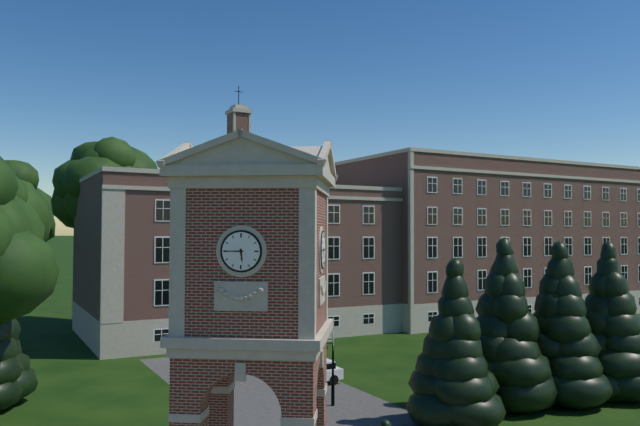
5:45
